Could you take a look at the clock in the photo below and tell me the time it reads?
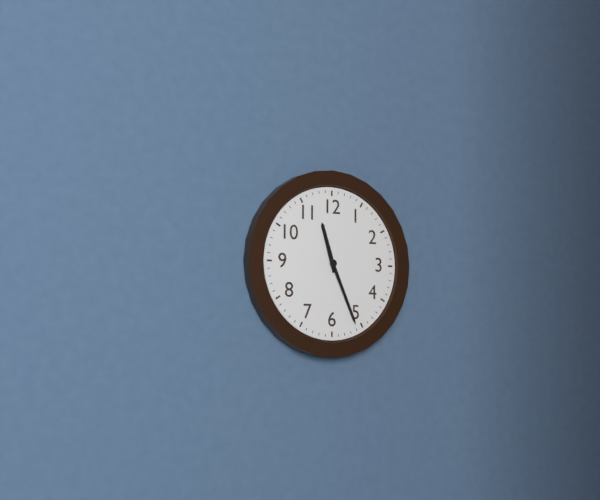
11:26
